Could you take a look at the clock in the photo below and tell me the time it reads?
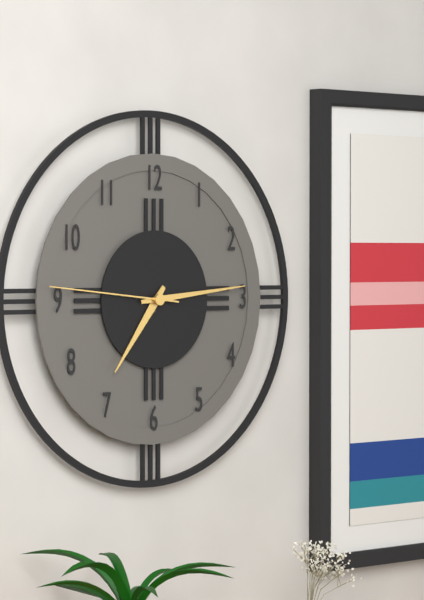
7:14:46
